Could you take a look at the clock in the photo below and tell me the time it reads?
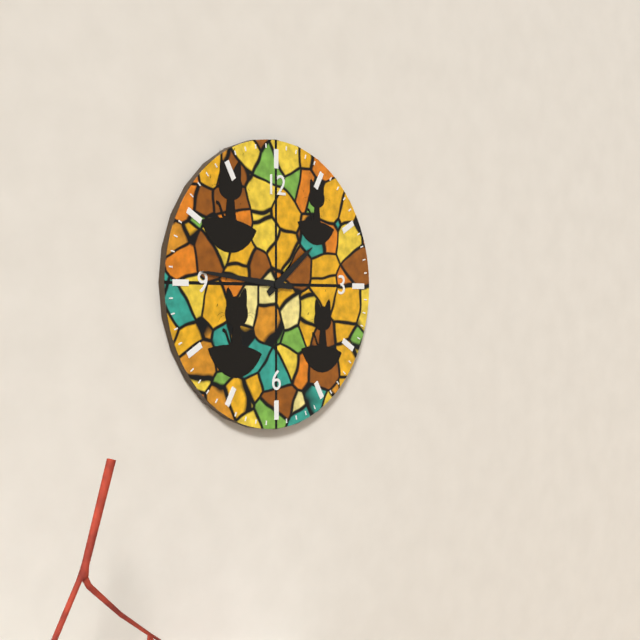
1:46
